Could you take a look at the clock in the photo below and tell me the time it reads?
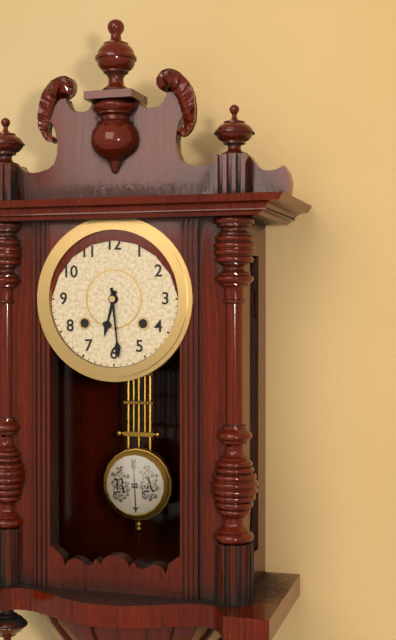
6:29
